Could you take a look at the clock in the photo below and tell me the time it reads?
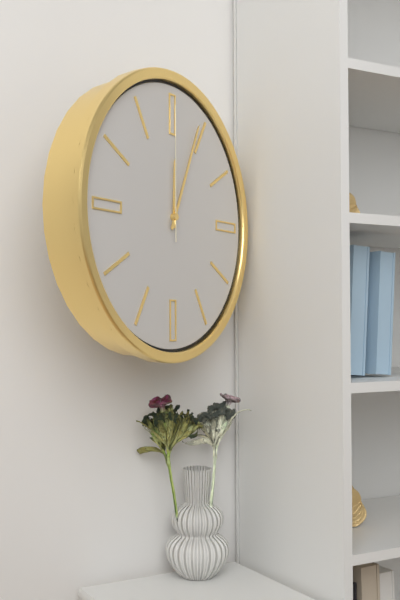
12:04:00
